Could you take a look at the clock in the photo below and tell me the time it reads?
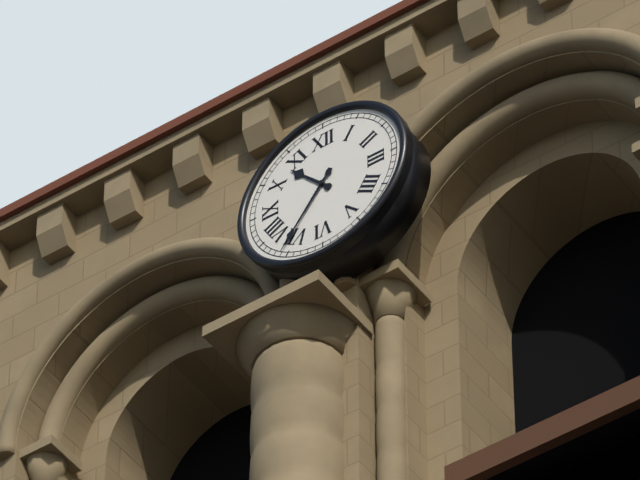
10:36
